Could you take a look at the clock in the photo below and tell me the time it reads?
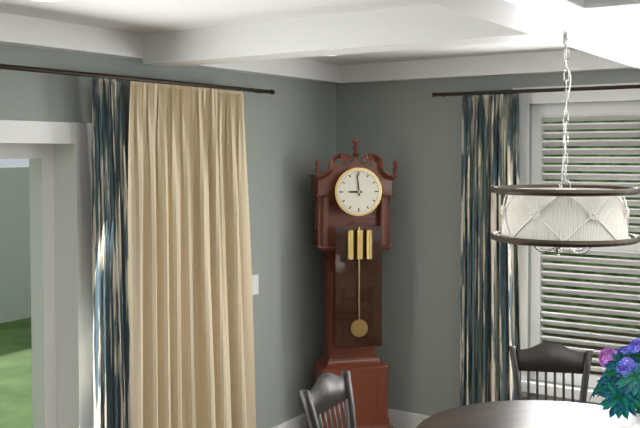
8:59
